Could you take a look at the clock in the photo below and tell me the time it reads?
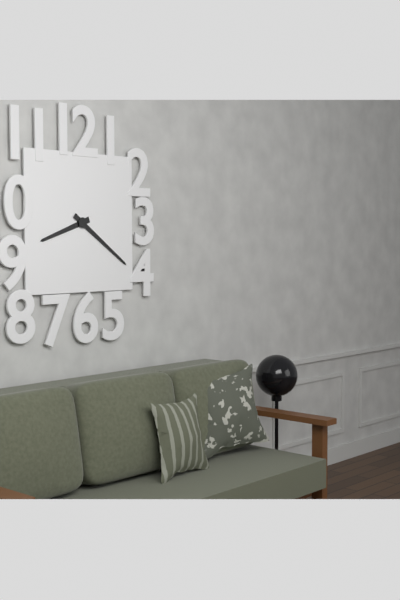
8:21
